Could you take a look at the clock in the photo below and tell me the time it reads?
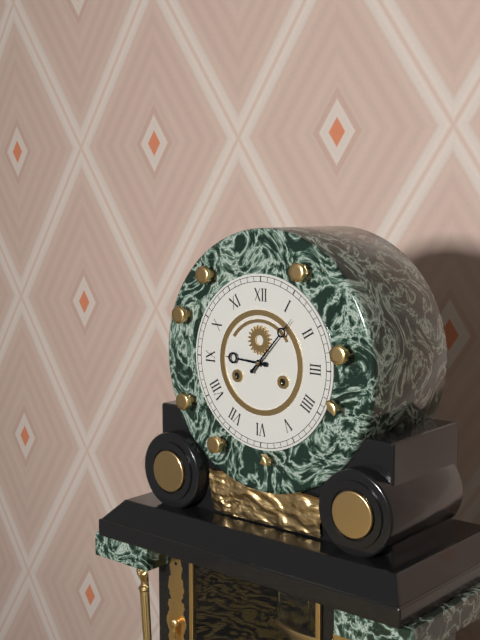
9:07
